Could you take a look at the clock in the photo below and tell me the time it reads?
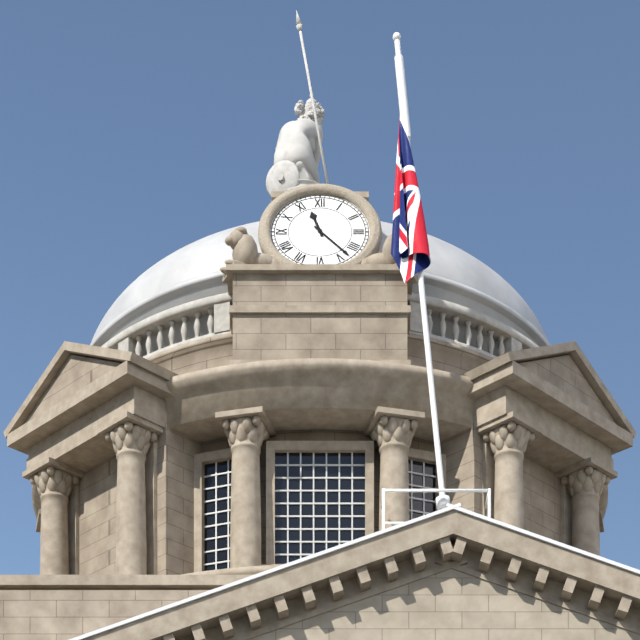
11:23
